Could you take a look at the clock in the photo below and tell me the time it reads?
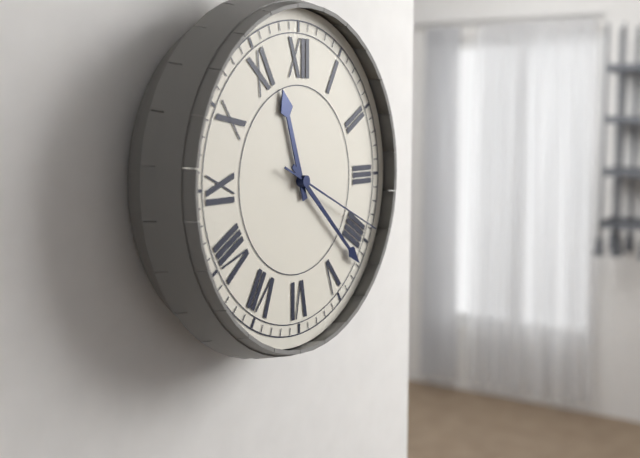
11:22:19
